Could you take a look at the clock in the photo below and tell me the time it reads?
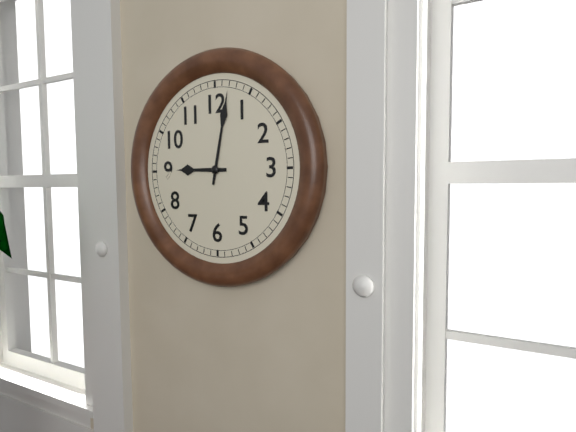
9:02
